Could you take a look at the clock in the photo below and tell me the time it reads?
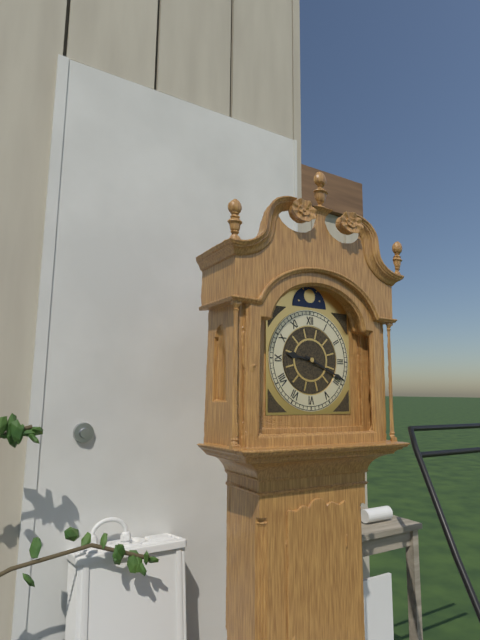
9:19
